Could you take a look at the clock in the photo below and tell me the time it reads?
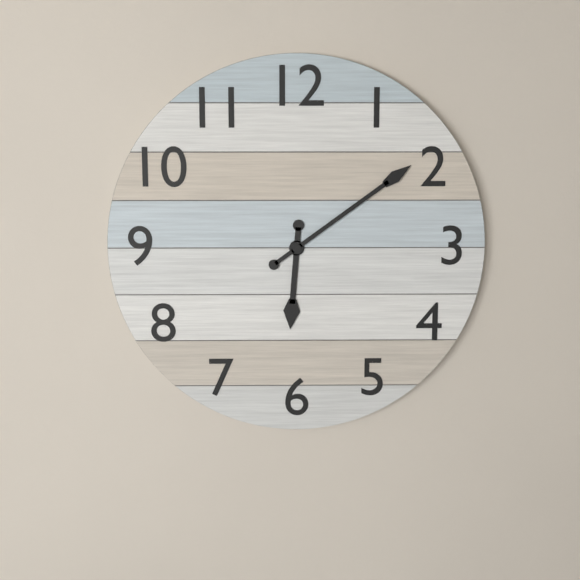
6:09
